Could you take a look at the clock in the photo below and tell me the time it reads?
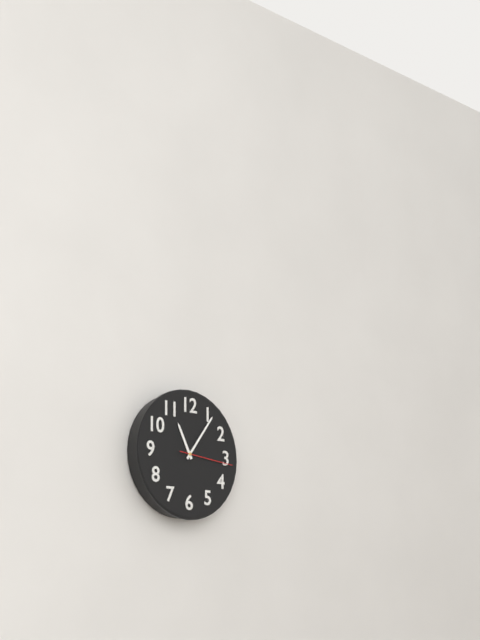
11:06:16
